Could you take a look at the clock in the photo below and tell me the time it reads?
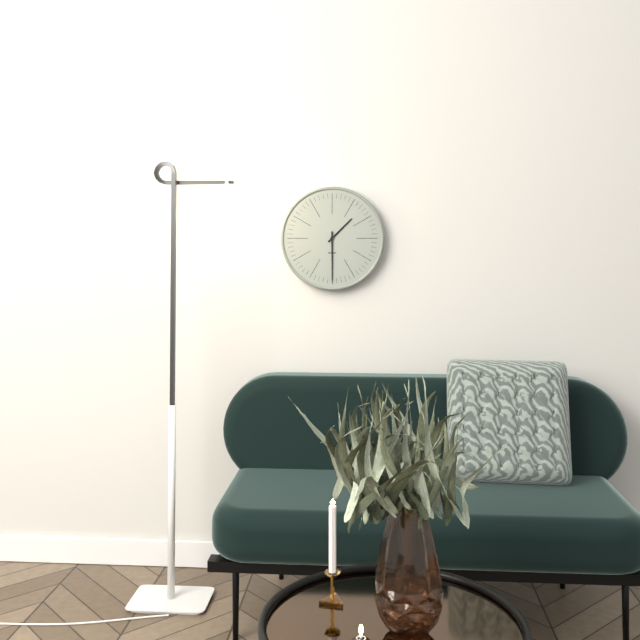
1:30
